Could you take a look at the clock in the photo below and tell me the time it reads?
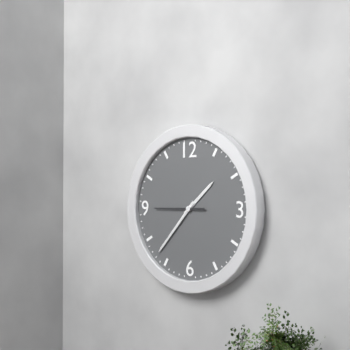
1:37
